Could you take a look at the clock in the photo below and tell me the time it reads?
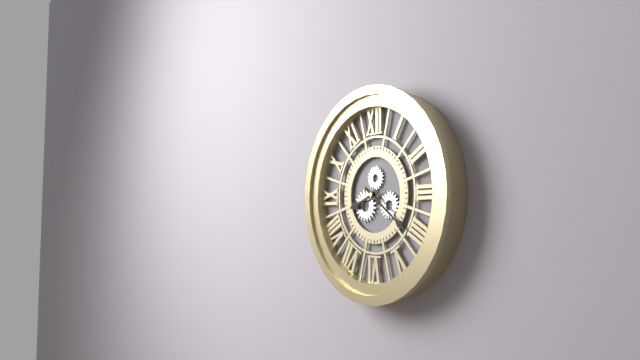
8:21
